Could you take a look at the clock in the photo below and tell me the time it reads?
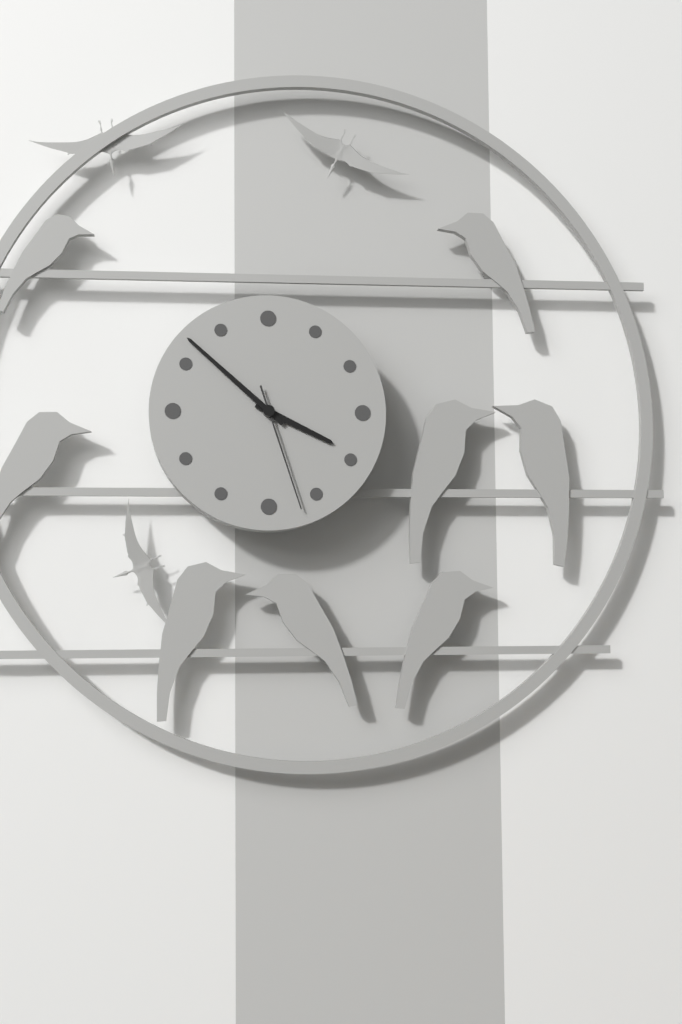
3:52:27
